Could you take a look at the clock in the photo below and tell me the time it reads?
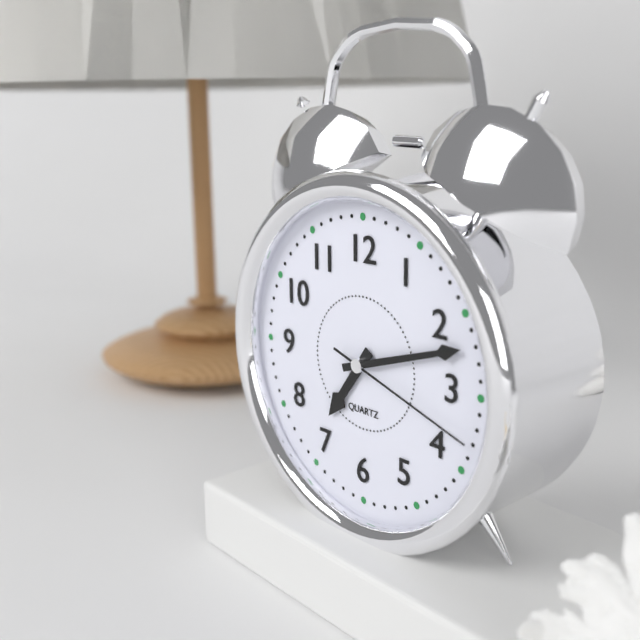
7:12:18
